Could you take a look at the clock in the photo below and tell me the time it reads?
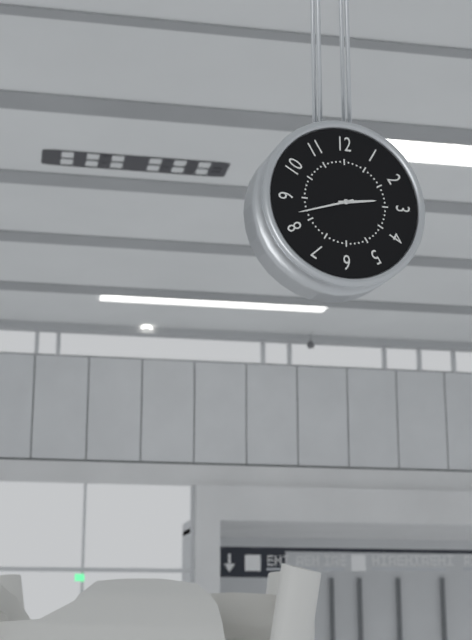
2:42
